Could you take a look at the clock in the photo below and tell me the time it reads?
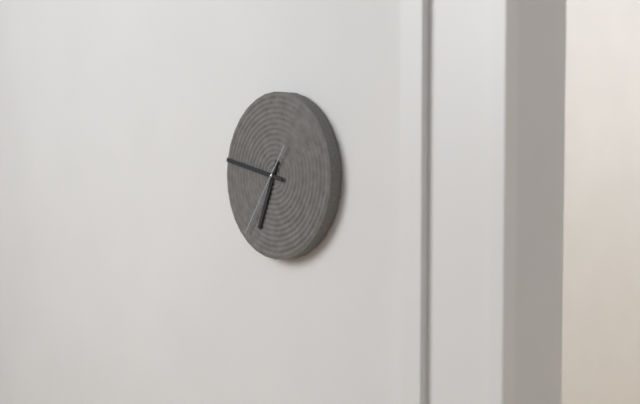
6:47:36
